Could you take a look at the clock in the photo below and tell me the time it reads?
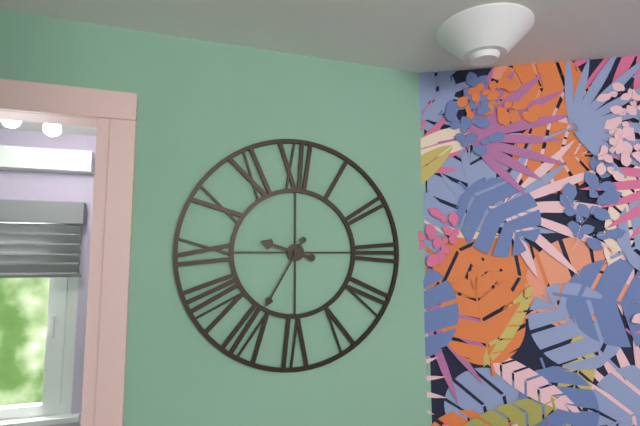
9:35
